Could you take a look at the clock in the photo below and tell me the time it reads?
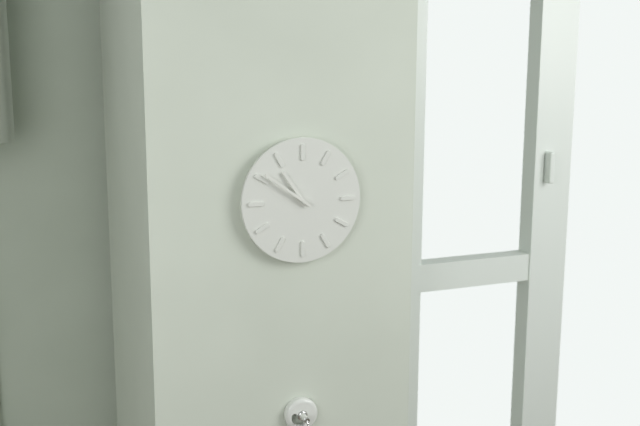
10:51
